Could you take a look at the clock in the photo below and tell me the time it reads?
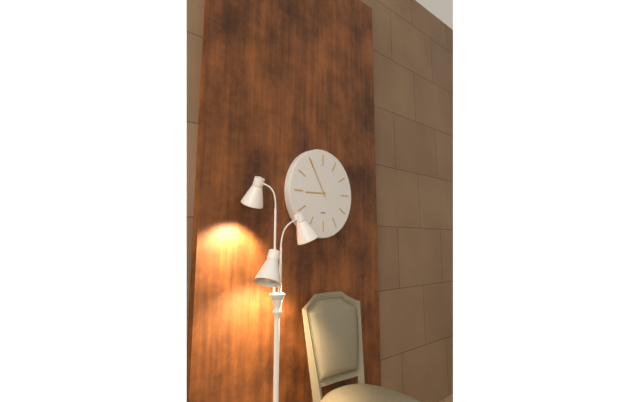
8:55
